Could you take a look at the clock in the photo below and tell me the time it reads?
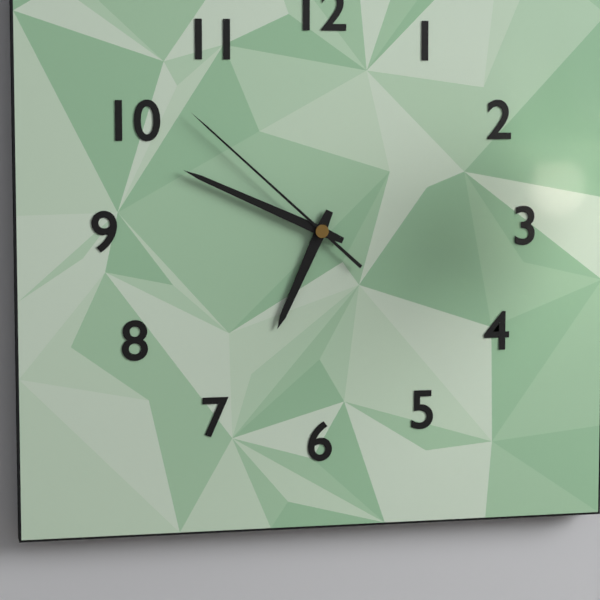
6:49:52
